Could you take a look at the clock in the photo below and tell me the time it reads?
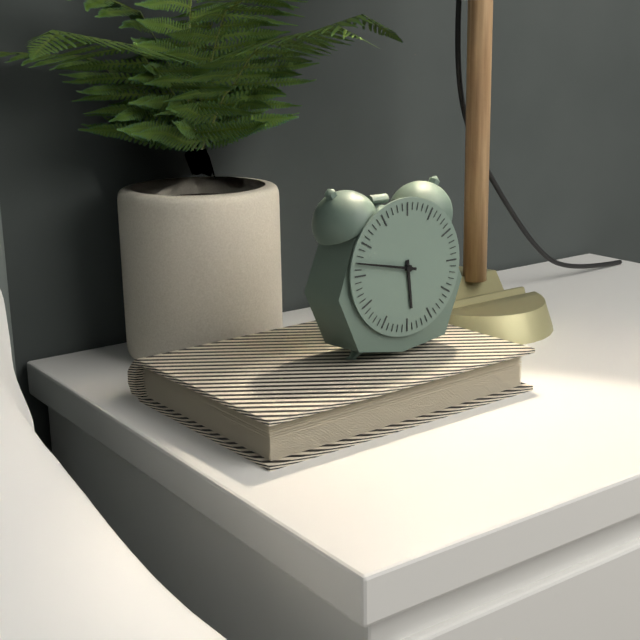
5:47
